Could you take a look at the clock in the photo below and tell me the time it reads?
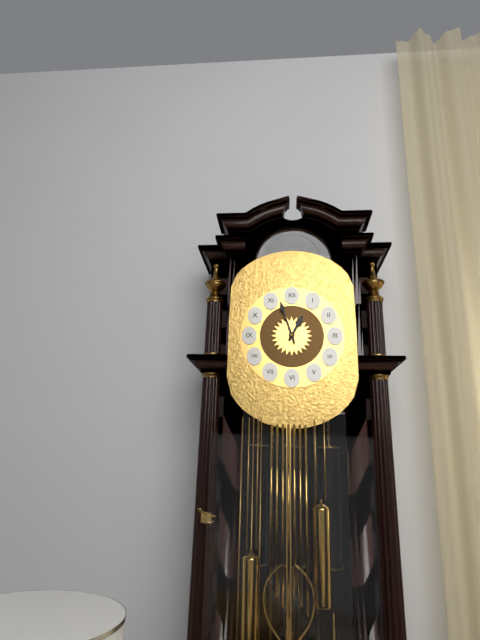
12:57
